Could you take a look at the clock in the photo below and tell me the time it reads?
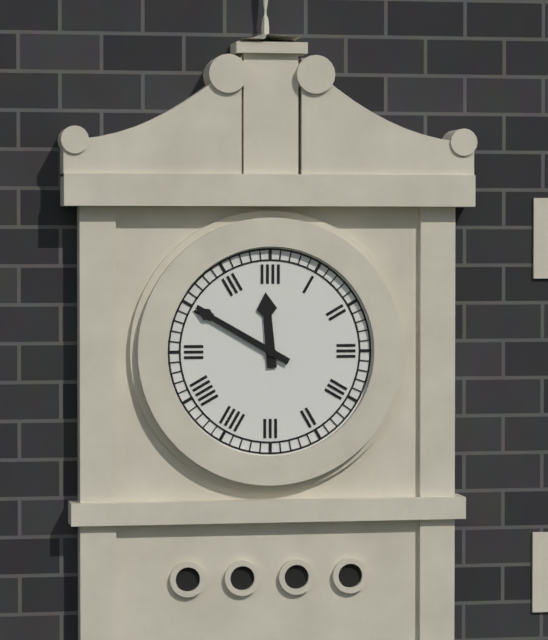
11:50
